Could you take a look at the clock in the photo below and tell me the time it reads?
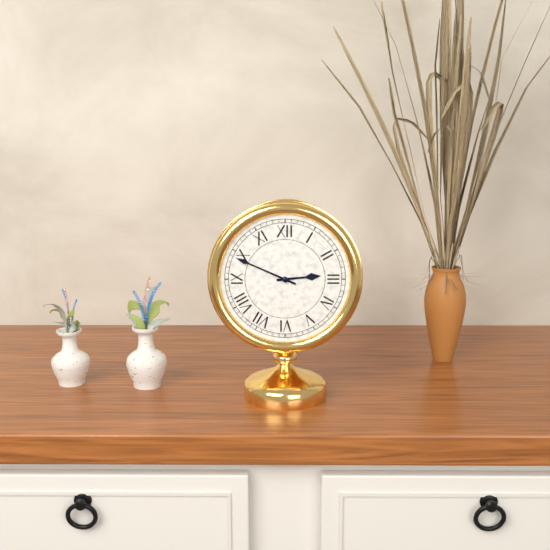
2:49
